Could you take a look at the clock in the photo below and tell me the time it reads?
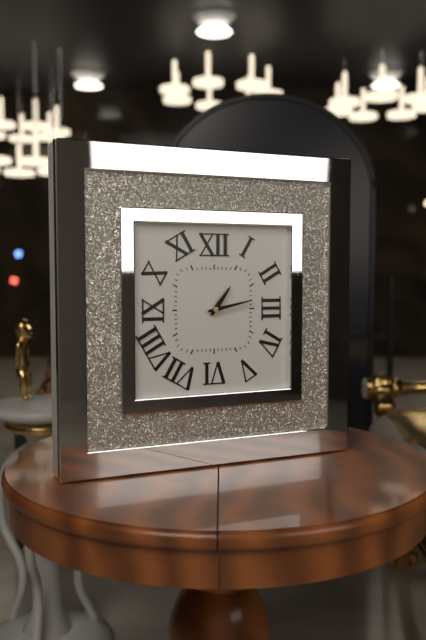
1:13
